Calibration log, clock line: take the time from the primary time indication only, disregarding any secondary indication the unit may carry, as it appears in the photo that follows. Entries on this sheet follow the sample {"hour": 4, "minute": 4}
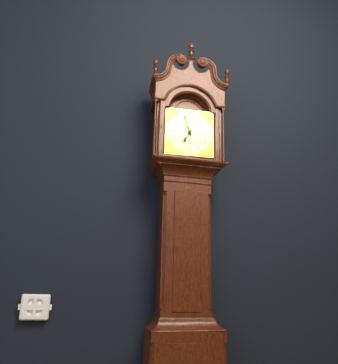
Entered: {"hour": 6, "minute": 57}
